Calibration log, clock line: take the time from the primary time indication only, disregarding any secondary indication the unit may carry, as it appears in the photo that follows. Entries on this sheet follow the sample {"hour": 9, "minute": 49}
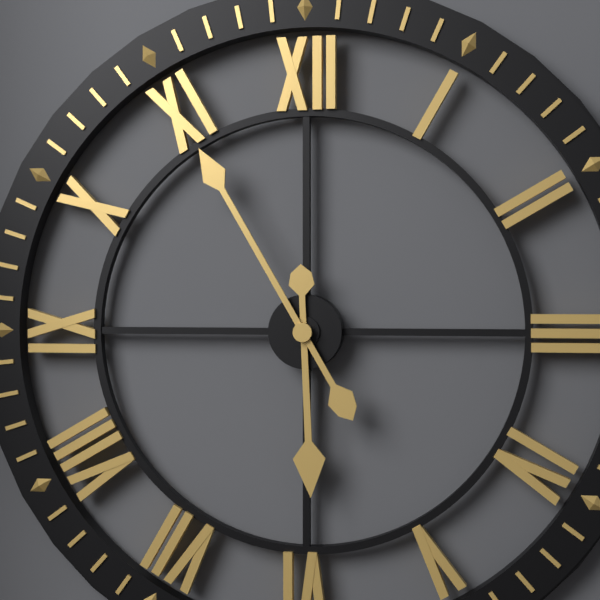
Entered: {"hour": 5, "minute": 55}
